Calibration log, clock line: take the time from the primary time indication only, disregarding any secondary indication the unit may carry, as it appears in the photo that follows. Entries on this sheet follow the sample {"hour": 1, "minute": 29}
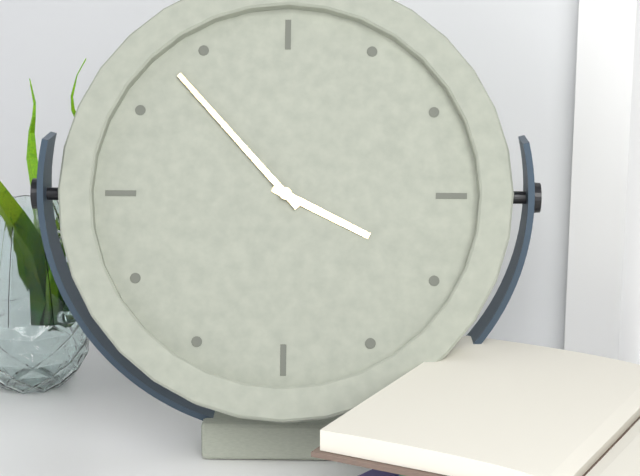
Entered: {"hour": 3, "minute": 53}
